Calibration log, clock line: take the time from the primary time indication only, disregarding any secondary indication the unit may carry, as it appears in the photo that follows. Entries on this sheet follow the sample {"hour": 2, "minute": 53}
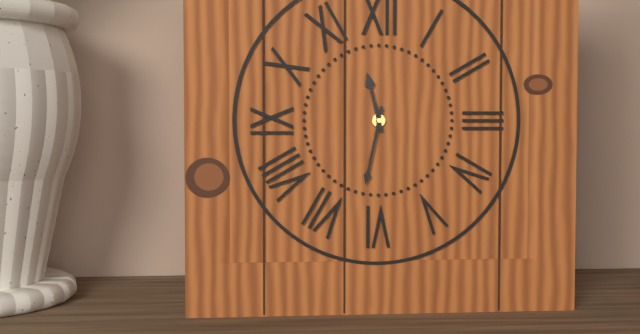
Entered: {"hour": 11, "minute": 32}
